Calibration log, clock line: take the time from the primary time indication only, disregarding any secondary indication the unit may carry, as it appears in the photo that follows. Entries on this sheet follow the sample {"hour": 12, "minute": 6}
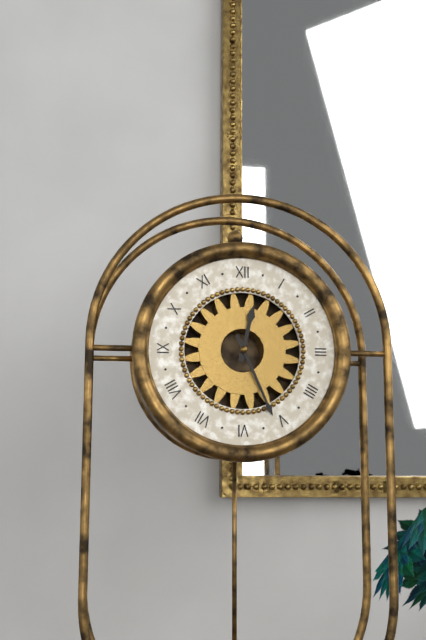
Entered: {"hour": 12, "minute": 26}
